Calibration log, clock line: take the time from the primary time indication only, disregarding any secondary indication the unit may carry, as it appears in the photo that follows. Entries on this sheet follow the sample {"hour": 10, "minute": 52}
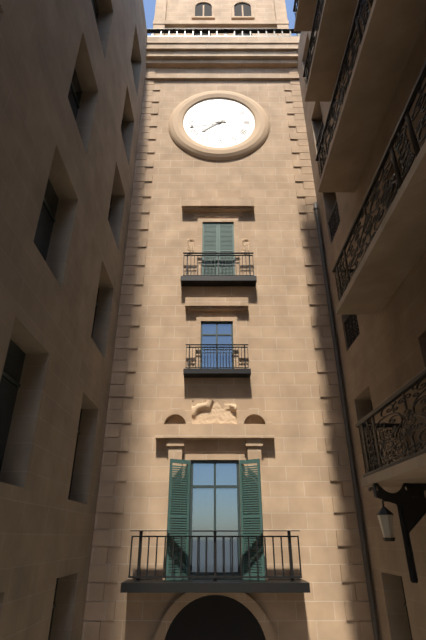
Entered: {"hour": 7, "minute": 43}
